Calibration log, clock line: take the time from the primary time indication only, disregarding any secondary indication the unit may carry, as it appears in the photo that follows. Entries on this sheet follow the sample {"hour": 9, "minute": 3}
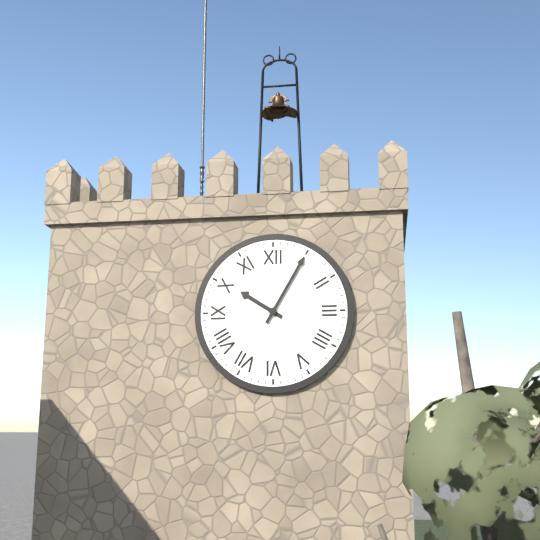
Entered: {"hour": 10, "minute": 5}
